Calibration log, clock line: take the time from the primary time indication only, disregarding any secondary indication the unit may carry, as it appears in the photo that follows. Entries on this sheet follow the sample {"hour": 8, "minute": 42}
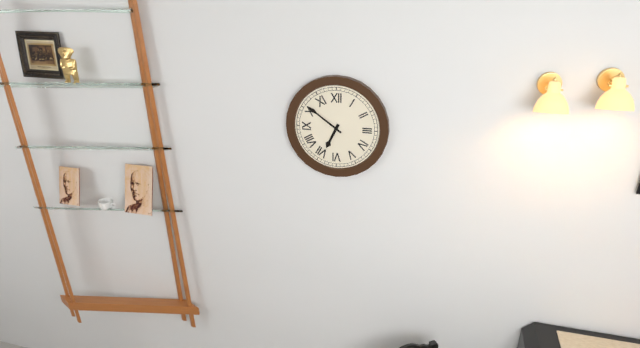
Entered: {"hour": 6, "minute": 51}
